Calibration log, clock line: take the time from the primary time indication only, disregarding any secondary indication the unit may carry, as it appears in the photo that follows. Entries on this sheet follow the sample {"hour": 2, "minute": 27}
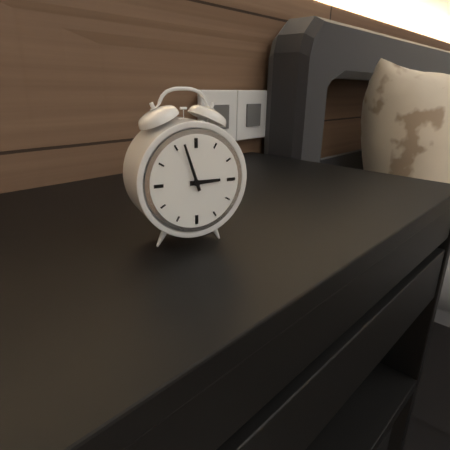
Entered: {"hour": 2, "minute": 57}
